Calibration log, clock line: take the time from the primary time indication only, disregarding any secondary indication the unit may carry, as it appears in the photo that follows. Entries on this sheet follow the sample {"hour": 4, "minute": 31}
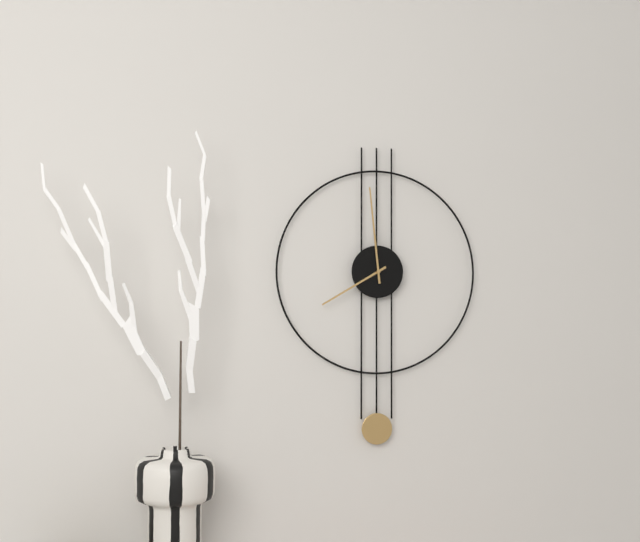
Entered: {"hour": 7, "minute": 59}
